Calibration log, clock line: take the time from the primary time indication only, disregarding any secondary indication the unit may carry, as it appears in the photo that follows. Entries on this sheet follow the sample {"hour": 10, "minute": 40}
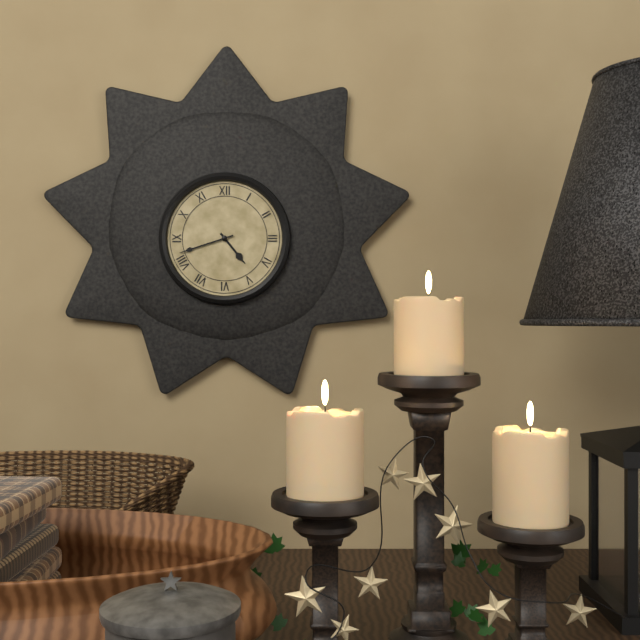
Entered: {"hour": 4, "minute": 42}
